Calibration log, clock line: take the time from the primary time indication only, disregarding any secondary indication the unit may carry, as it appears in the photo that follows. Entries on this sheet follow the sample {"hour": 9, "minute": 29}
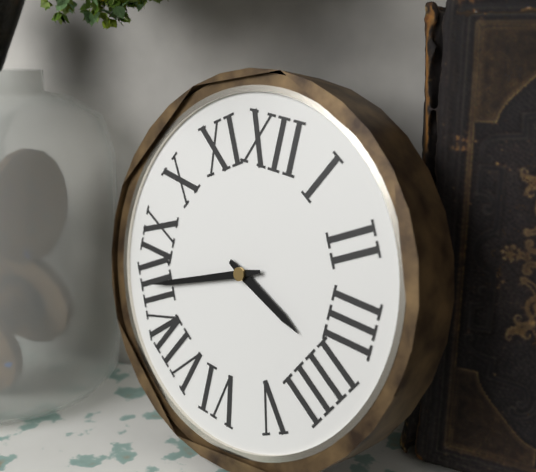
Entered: {"hour": 3, "minute": 41}
